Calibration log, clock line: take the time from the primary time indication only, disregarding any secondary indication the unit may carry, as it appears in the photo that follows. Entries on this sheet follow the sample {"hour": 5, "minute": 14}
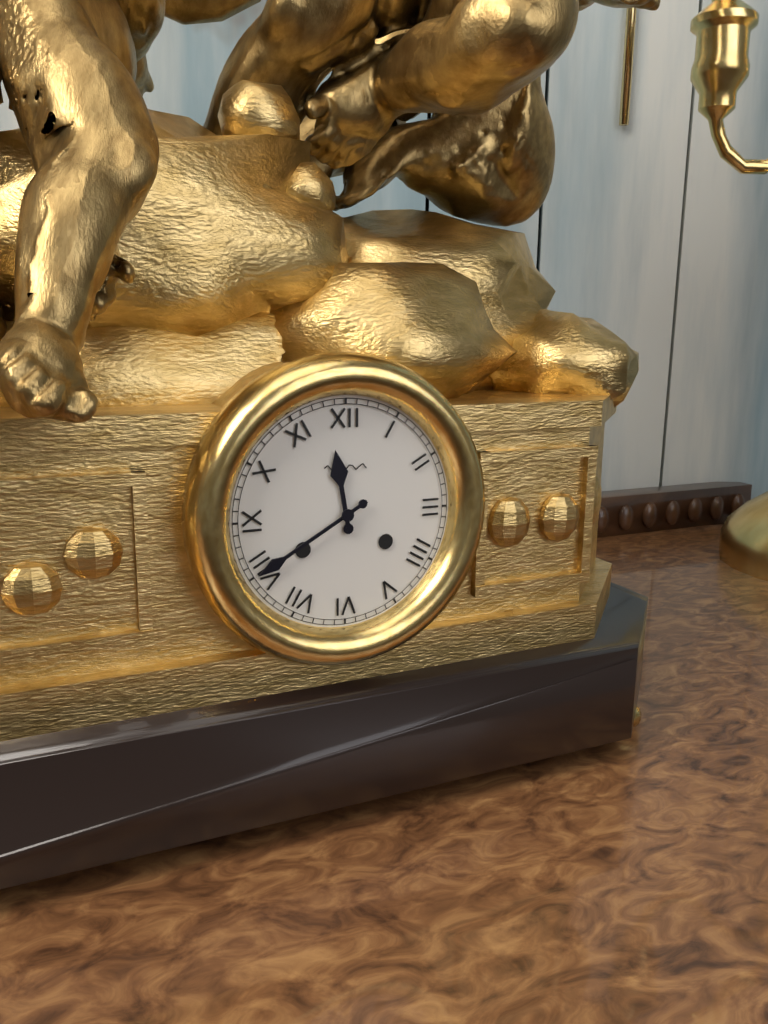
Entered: {"hour": 11, "minute": 40}
